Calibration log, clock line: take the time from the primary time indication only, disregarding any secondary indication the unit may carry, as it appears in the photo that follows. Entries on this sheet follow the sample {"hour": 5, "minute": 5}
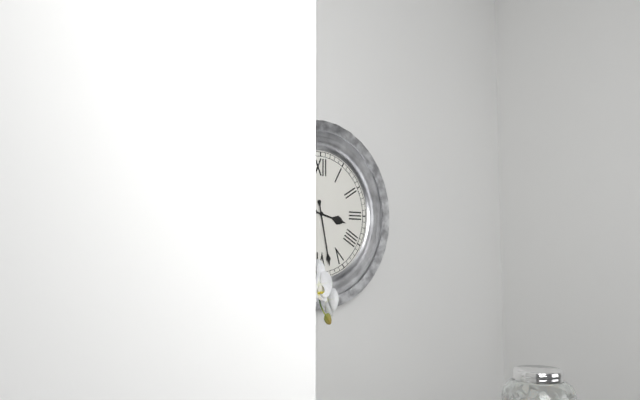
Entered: {"hour": 3, "minute": 28}
